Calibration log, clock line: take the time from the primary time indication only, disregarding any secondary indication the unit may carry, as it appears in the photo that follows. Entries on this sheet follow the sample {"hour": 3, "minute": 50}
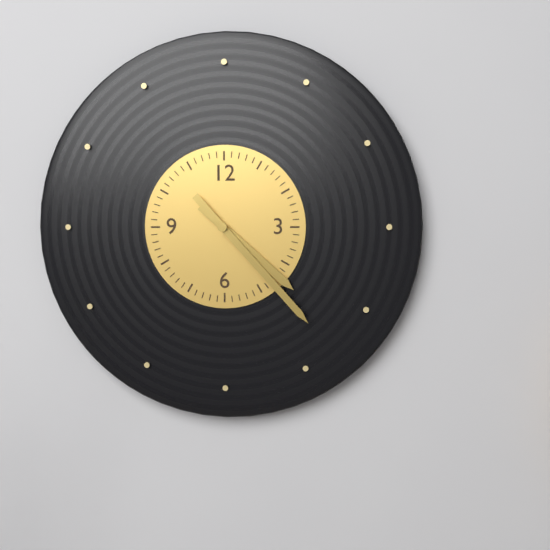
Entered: {"hour": 4, "minute": 23}
